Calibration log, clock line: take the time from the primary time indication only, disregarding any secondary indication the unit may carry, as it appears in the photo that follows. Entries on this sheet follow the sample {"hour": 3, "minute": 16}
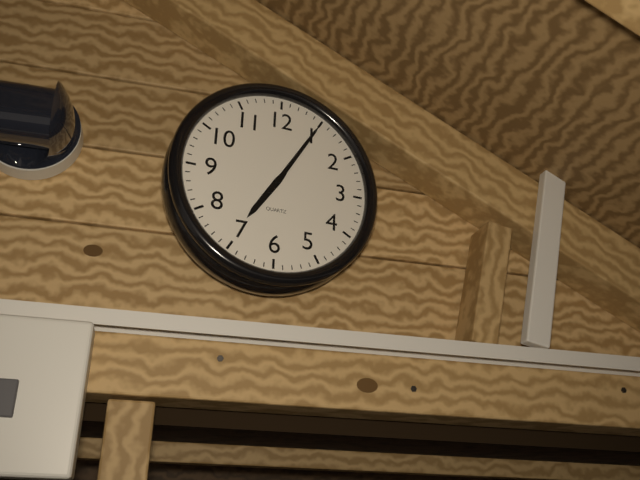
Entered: {"hour": 7, "minute": 5}
